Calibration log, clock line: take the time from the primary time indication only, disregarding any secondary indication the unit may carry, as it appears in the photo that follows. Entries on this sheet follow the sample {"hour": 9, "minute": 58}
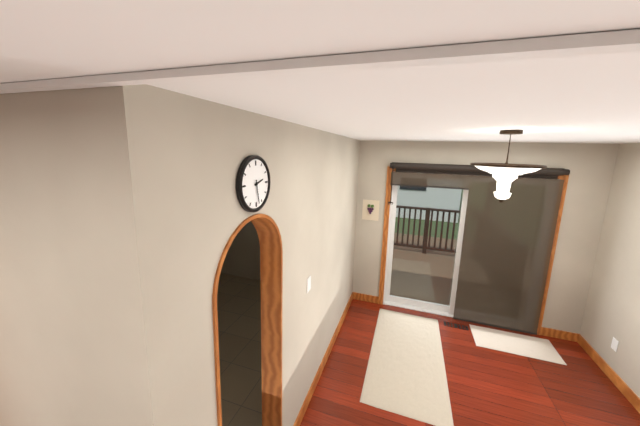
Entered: {"hour": 2, "minute": 28}
